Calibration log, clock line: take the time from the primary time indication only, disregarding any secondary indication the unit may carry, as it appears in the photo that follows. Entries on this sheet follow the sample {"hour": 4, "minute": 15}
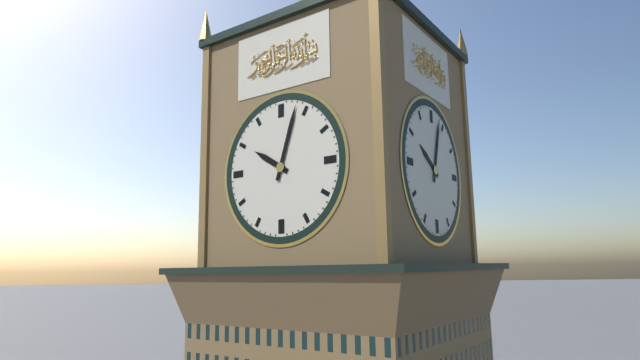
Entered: {"hour": 10, "minute": 3}
